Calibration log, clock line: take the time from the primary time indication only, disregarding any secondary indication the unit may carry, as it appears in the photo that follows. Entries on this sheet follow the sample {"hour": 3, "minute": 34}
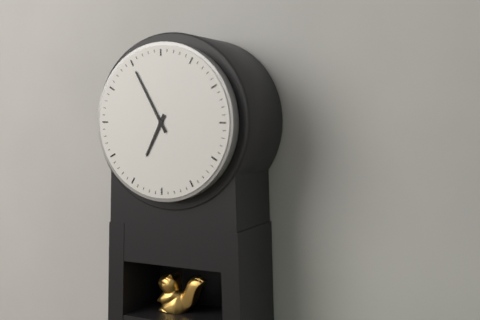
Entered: {"hour": 6, "minute": 55}
